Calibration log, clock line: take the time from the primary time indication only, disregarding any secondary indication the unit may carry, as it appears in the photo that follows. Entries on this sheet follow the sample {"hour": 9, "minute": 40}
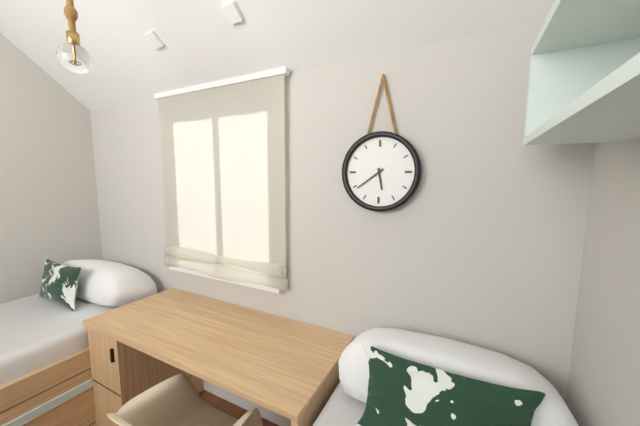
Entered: {"hour": 5, "minute": 39}
